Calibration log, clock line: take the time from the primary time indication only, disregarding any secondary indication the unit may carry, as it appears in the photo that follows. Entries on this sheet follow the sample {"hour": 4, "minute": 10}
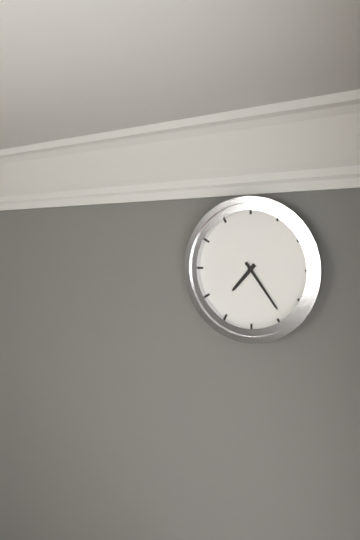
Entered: {"hour": 7, "minute": 24}
